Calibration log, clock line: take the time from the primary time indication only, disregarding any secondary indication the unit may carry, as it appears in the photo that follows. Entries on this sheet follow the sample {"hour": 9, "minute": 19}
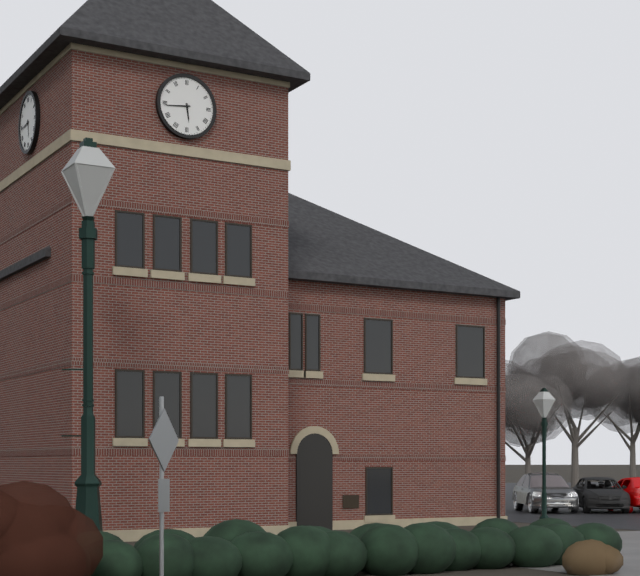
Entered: {"hour": 5, "minute": 44}
